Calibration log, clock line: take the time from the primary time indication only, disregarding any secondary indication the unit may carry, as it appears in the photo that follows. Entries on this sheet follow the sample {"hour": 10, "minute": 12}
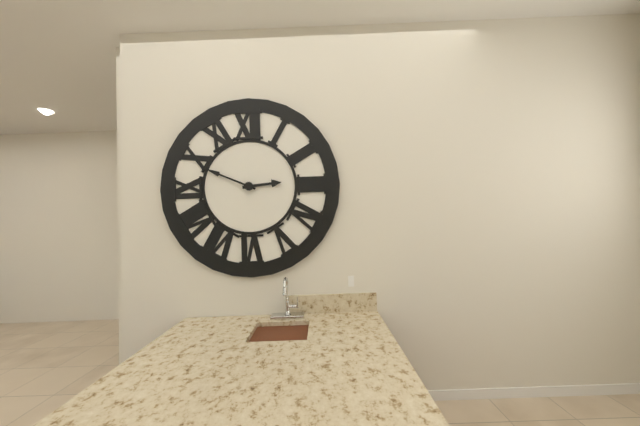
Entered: {"hour": 2, "minute": 49}
